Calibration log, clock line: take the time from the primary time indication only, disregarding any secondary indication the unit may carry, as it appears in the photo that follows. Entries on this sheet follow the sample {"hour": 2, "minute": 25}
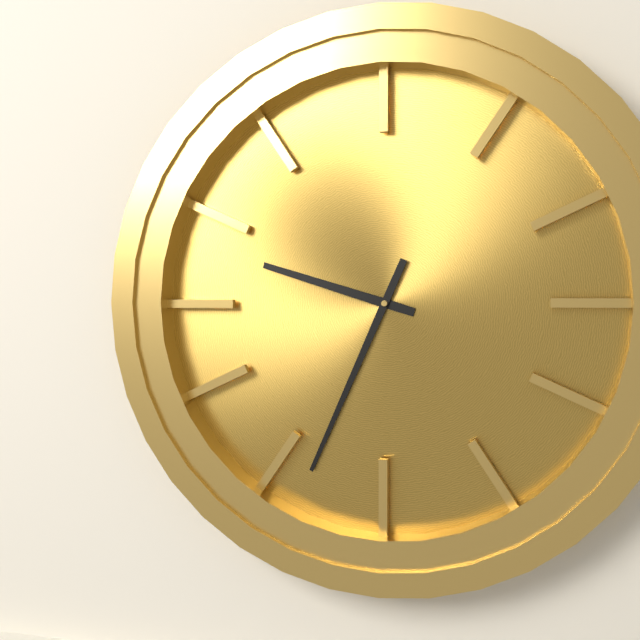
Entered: {"hour": 9, "minute": 34}
